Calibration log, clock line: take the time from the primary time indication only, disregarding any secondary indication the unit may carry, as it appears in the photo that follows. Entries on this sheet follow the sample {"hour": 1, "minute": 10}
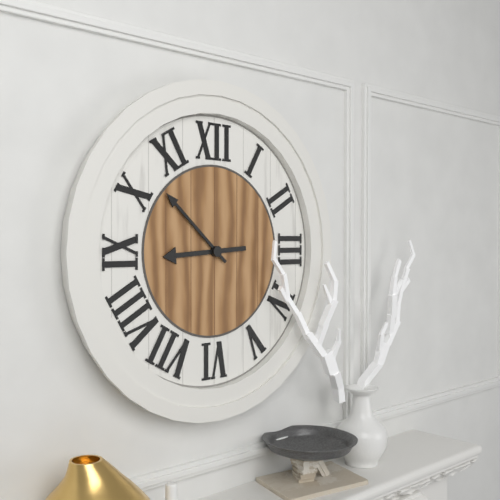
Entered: {"hour": 8, "minute": 52}
